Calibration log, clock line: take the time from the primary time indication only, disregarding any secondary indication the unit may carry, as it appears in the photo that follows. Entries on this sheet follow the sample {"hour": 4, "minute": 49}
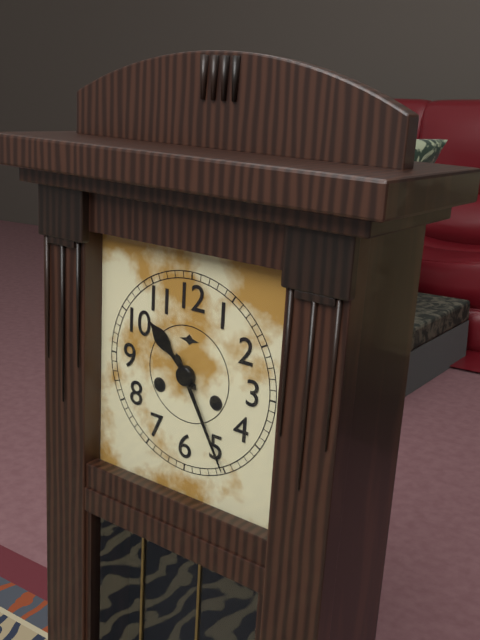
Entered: {"hour": 10, "minute": 25}
